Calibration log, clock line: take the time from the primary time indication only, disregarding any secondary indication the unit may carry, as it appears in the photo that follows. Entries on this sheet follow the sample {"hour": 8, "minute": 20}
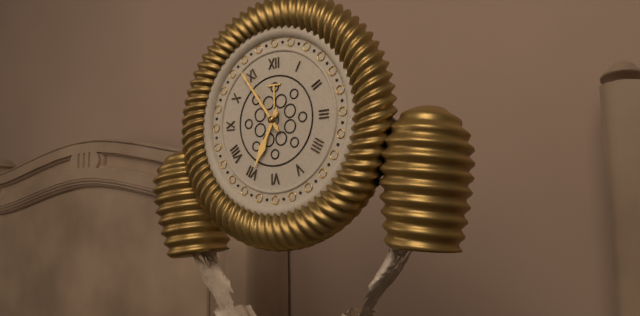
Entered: {"hour": 6, "minute": 54}
